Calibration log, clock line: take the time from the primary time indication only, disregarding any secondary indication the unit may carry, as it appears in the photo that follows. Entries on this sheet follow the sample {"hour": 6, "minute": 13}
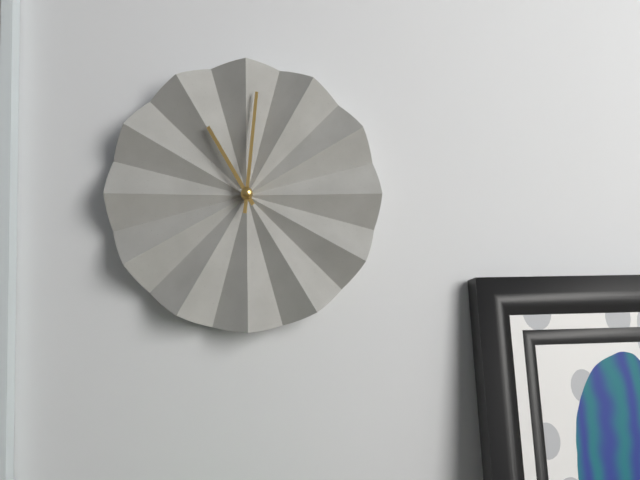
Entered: {"hour": 11, "minute": 1}
